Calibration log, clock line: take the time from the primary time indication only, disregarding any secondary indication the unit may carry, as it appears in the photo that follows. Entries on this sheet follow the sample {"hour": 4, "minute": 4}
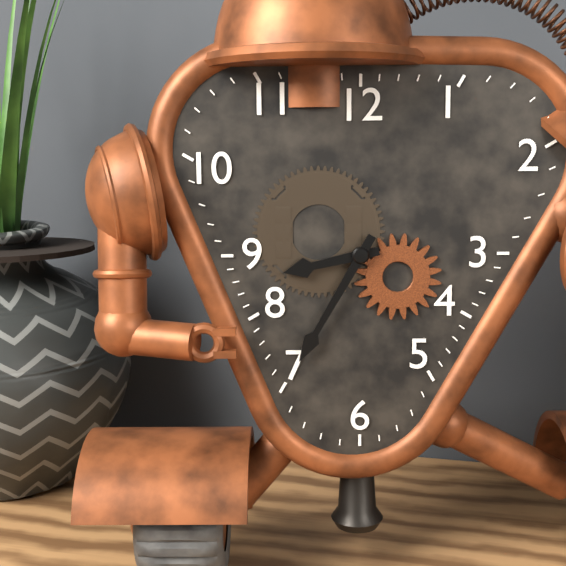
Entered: {"hour": 8, "minute": 35}
